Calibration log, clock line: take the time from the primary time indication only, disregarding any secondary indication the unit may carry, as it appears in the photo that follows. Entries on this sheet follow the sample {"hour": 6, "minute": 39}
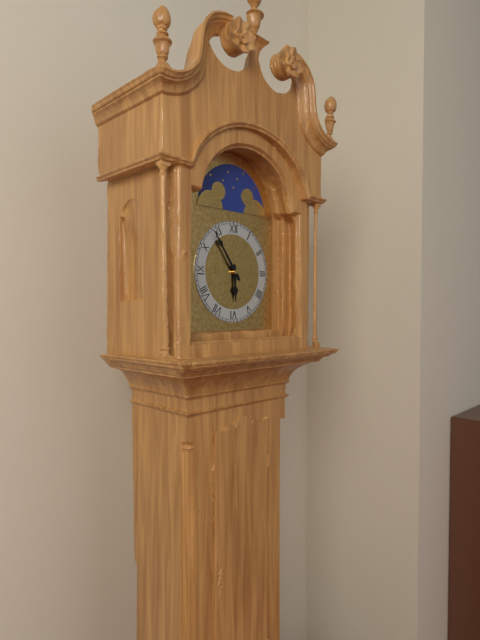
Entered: {"hour": 5, "minute": 54}
